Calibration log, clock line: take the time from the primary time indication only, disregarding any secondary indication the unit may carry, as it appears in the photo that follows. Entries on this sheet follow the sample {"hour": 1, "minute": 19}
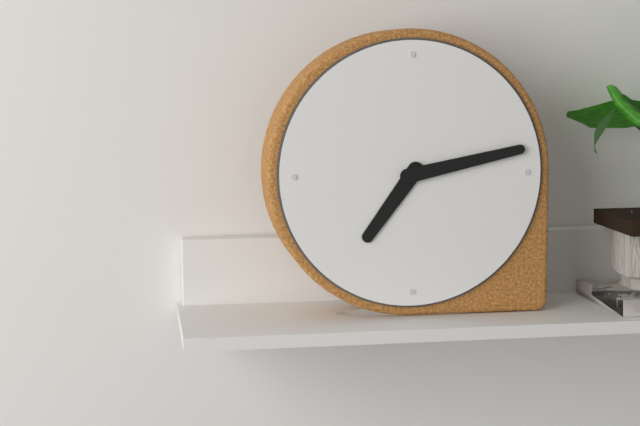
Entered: {"hour": 7, "minute": 13}
